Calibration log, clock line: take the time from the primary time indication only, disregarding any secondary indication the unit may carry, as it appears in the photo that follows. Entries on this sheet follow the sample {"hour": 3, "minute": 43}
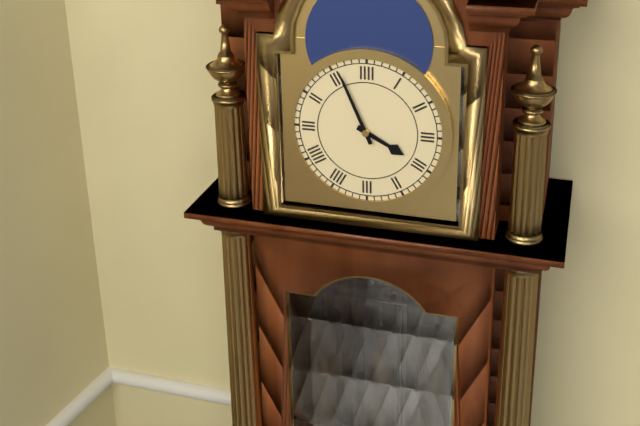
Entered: {"hour": 3, "minute": 56}
